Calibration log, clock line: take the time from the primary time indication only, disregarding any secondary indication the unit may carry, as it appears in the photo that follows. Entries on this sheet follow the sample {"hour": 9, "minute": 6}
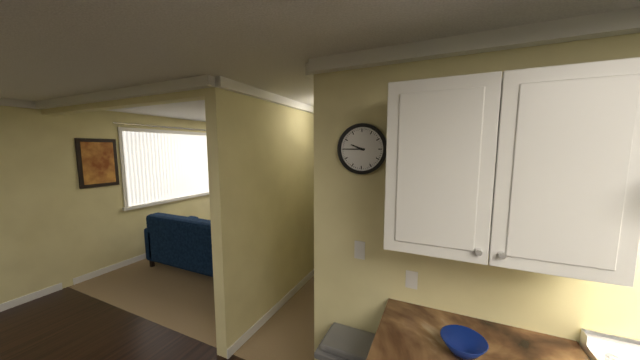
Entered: {"hour": 9, "minute": 45}
